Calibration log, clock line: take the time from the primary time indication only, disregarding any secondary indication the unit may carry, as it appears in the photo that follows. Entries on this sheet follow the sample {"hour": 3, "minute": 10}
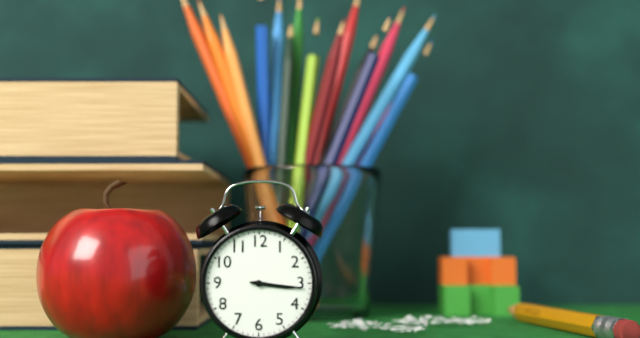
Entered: {"hour": 3, "minute": 16}
